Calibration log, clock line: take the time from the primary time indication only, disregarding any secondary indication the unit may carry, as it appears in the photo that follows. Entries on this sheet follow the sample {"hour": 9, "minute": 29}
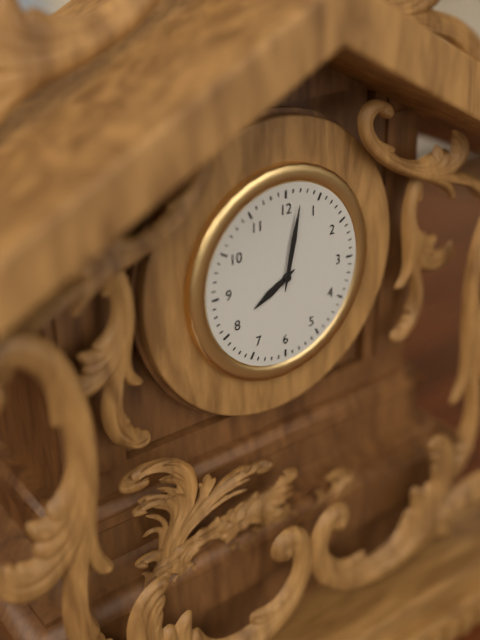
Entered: {"hour": 8, "minute": 2}
